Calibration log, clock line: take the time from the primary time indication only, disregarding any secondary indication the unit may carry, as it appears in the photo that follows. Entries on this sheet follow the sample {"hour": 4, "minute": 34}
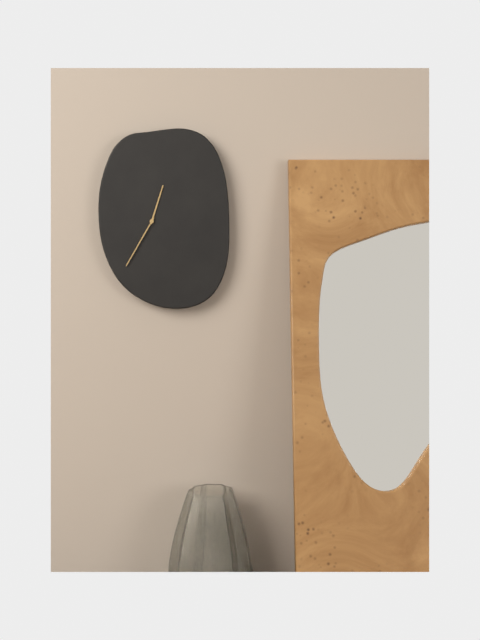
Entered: {"hour": 12, "minute": 35}
